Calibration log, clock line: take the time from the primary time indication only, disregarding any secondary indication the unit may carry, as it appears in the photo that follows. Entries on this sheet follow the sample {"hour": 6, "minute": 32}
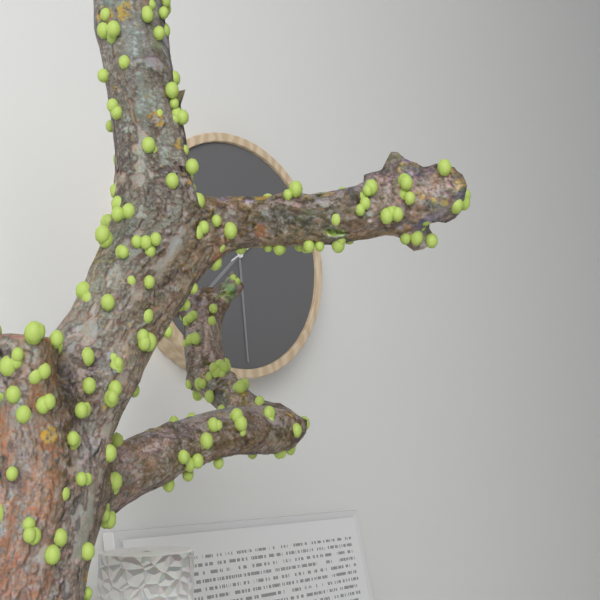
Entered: {"hour": 7, "minute": 29}
